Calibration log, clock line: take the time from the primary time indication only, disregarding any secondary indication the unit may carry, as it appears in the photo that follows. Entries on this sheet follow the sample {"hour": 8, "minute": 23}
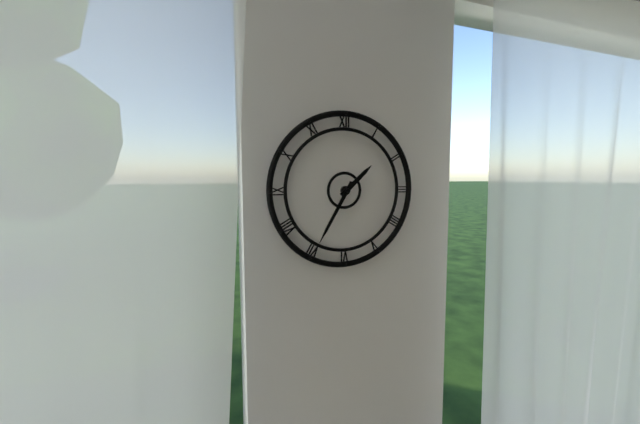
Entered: {"hour": 1, "minute": 35}
